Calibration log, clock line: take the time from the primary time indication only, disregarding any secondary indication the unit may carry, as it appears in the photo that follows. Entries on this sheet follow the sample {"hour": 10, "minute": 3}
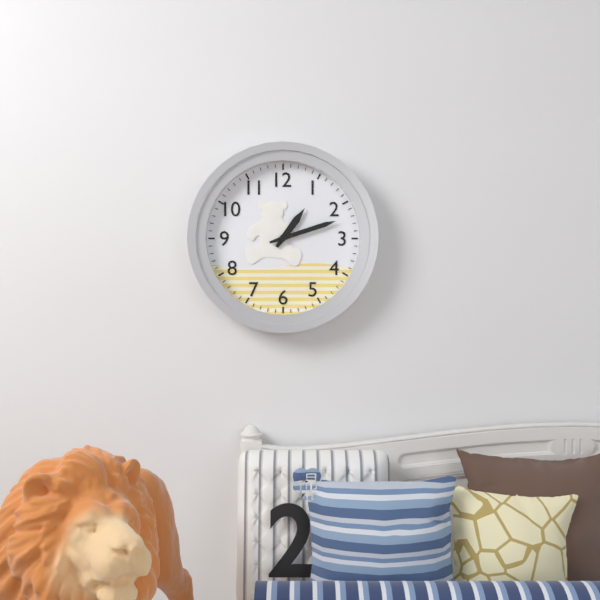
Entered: {"hour": 1, "minute": 12}
